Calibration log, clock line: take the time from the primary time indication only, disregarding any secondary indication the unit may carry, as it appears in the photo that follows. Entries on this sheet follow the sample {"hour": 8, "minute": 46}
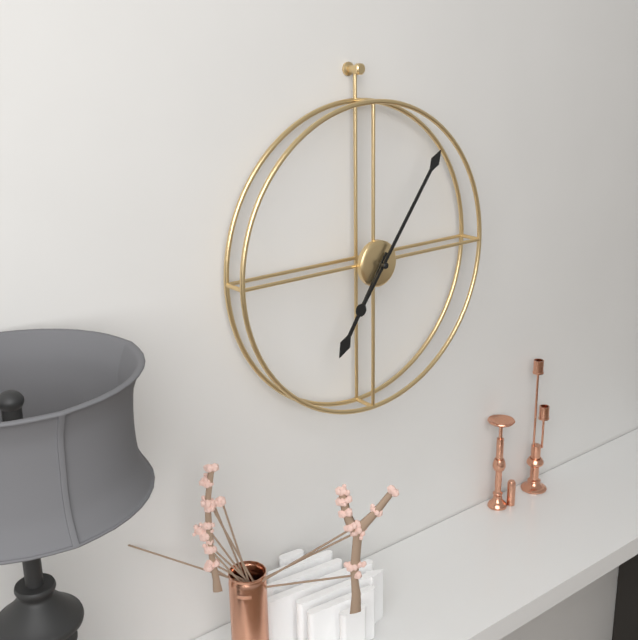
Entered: {"hour": 7, "minute": 6}
